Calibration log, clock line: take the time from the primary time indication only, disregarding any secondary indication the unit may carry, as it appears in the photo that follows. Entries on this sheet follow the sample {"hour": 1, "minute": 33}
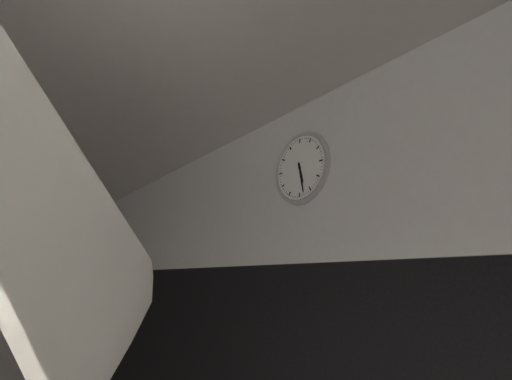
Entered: {"hour": 5, "minute": 28}
